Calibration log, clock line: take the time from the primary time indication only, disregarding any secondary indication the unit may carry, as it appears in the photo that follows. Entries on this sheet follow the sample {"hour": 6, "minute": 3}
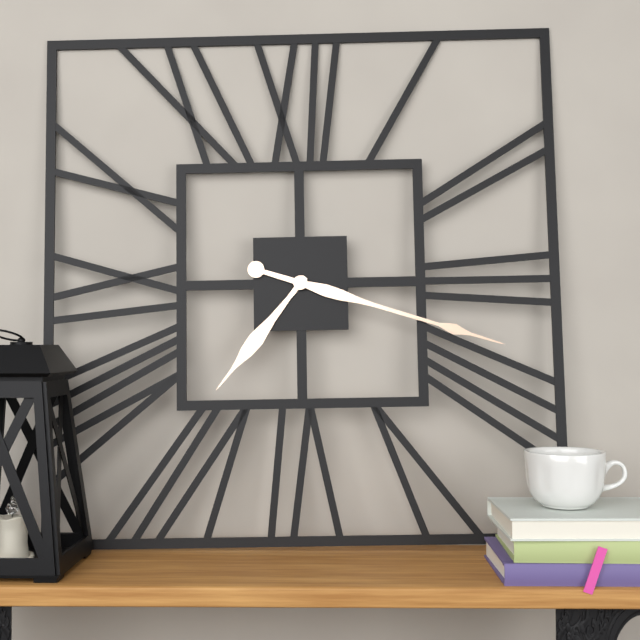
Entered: {"hour": 7, "minute": 18}
